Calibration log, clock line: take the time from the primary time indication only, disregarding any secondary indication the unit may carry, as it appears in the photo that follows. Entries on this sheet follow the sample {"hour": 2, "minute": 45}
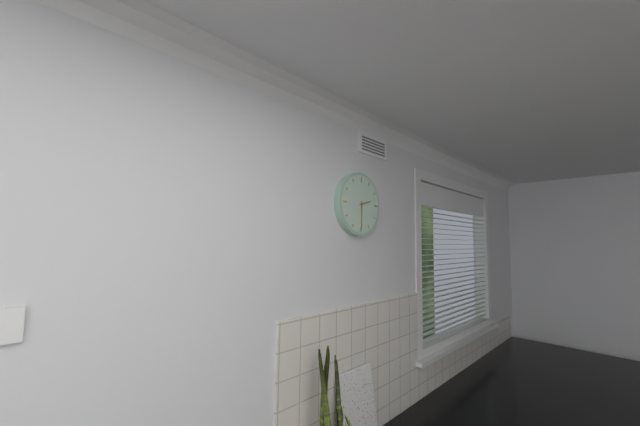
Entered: {"hour": 2, "minute": 30}
